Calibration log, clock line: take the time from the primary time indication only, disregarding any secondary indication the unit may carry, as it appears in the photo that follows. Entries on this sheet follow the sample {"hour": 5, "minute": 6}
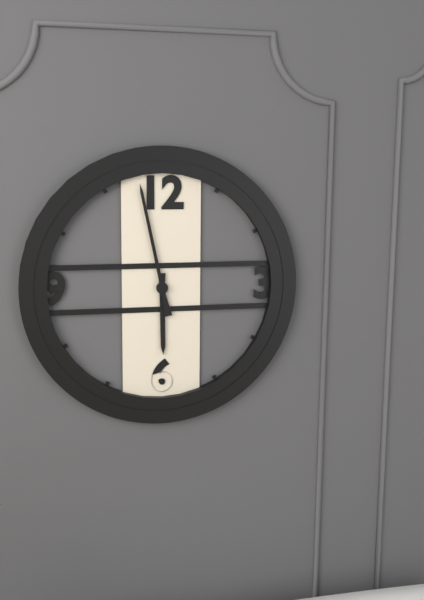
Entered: {"hour": 5, "minute": 58}
